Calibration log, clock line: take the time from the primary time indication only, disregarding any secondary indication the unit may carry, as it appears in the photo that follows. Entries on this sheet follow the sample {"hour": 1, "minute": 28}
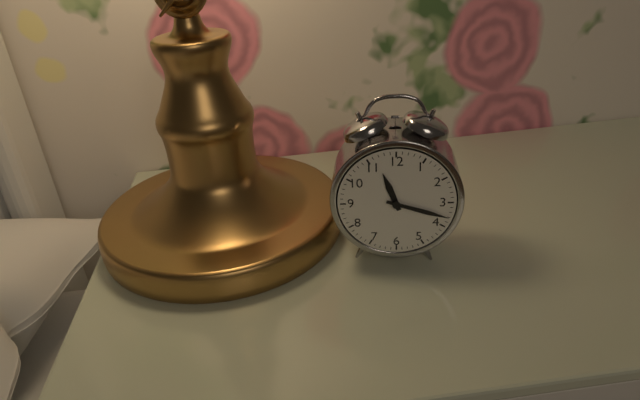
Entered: {"hour": 11, "minute": 18}
